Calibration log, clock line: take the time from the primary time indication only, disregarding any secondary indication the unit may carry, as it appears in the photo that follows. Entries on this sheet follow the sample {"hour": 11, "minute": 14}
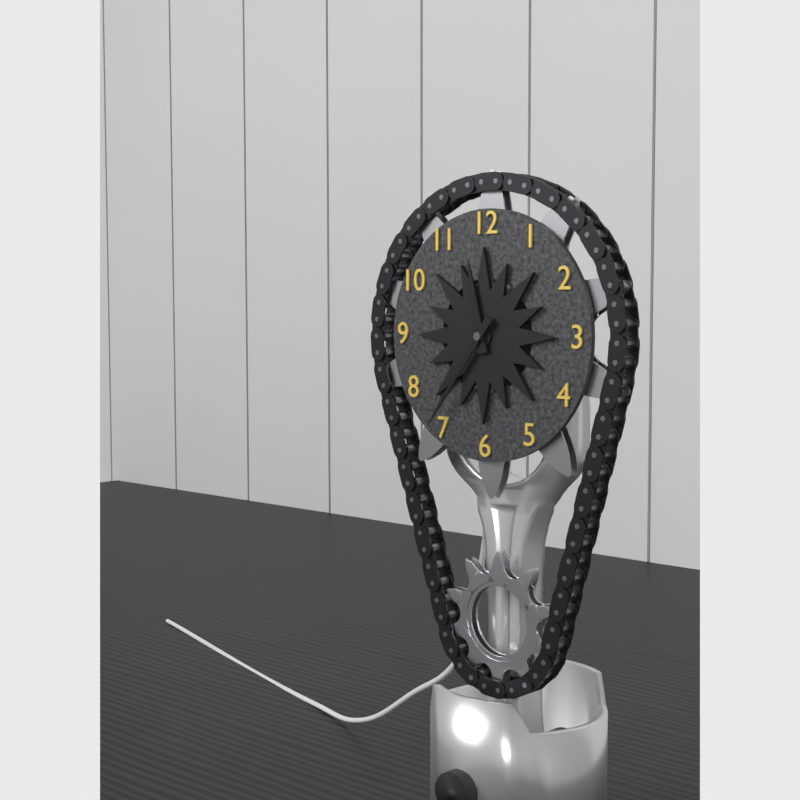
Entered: {"hour": 11, "minute": 36}
